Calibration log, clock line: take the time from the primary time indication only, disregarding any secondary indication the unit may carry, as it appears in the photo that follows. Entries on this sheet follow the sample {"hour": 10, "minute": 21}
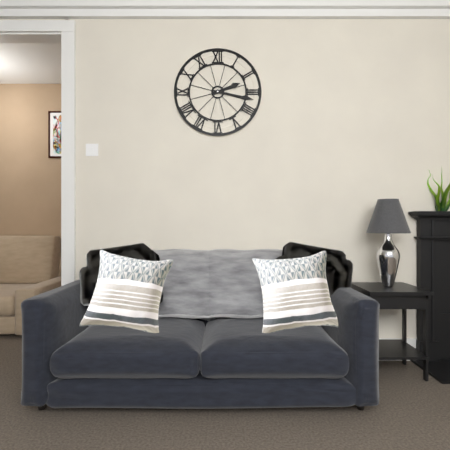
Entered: {"hour": 2, "minute": 17}
